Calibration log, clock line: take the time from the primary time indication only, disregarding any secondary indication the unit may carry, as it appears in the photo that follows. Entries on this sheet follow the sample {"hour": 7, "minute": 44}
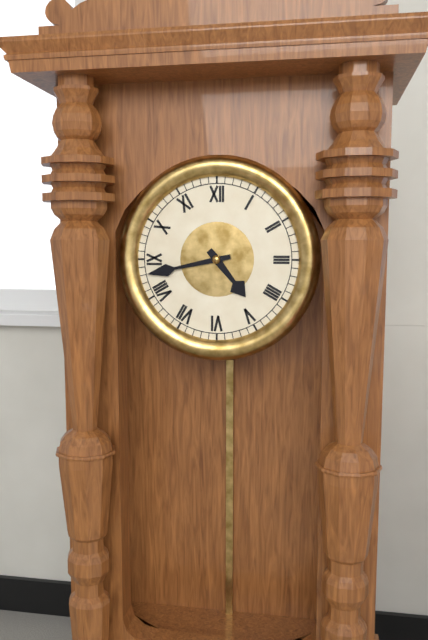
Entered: {"hour": 4, "minute": 43}
